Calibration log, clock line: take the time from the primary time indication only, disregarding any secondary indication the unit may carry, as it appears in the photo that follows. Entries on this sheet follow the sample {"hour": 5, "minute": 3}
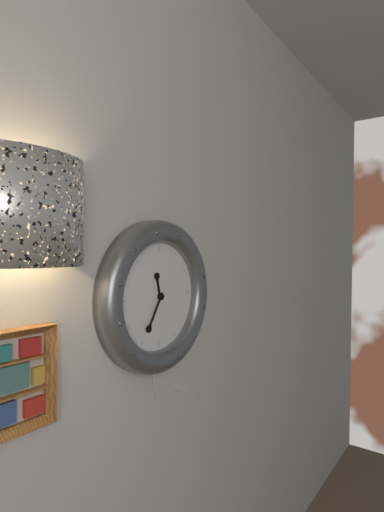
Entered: {"hour": 11, "minute": 35}
